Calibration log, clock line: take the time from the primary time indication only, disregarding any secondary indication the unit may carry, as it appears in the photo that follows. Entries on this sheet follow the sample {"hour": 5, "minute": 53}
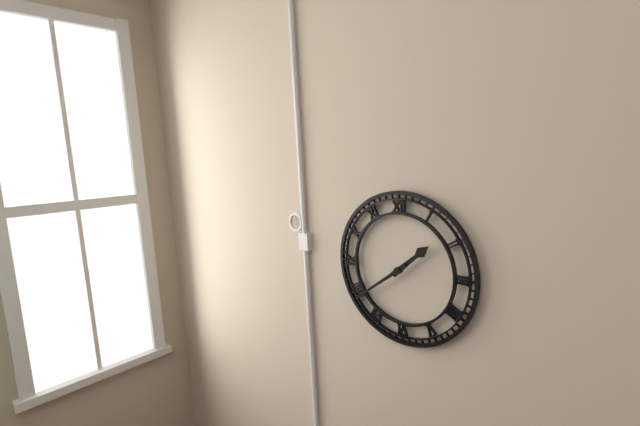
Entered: {"hour": 1, "minute": 39}
